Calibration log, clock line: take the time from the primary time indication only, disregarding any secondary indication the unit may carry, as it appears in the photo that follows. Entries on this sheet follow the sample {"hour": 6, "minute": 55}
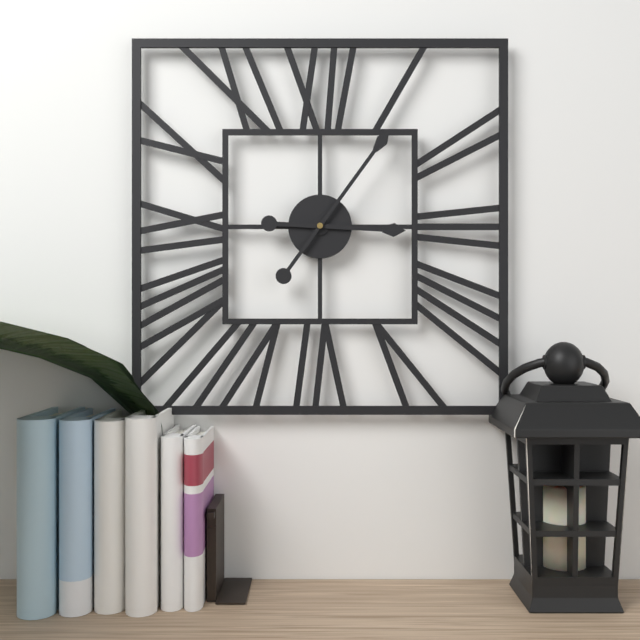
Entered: {"hour": 3, "minute": 6}
